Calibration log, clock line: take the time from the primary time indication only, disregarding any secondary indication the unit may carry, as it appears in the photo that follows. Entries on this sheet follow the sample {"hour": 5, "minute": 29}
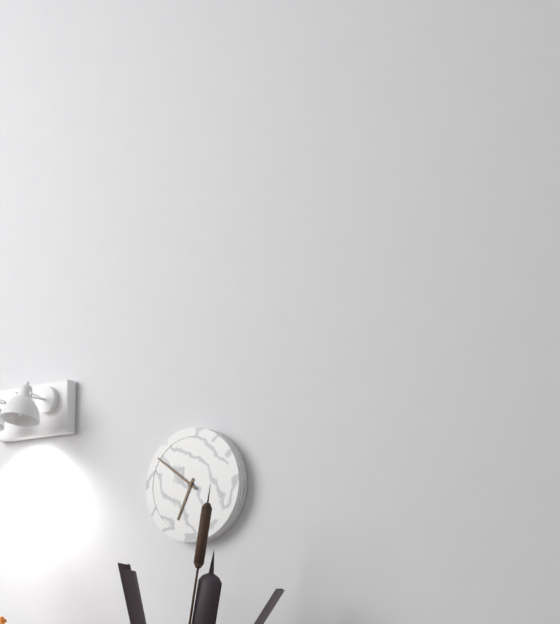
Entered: {"hour": 6, "minute": 51}
